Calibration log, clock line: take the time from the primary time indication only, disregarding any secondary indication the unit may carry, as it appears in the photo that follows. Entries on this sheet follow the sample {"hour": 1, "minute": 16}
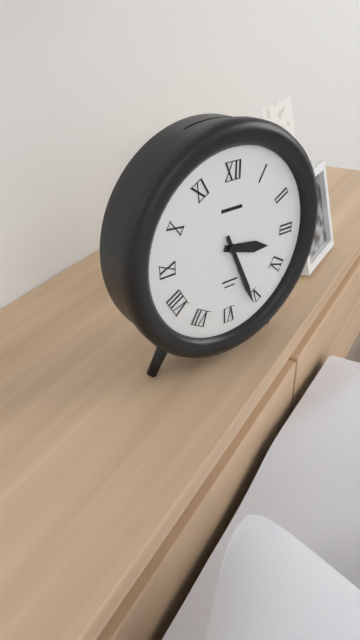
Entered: {"hour": 3, "minute": 26}
